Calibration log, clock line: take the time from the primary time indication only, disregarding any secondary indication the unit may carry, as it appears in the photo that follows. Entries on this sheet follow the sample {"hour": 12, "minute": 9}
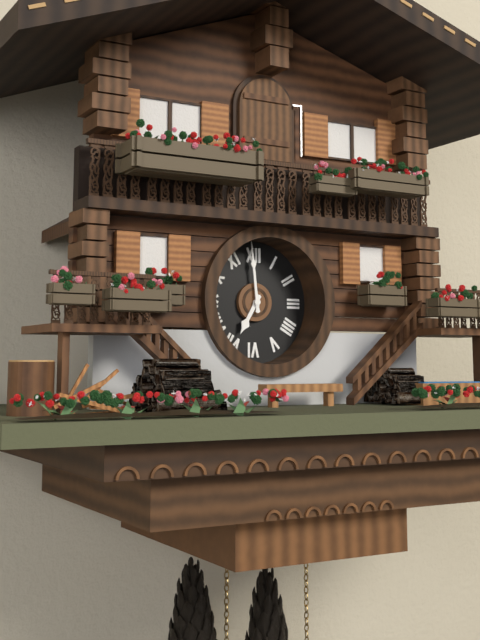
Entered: {"hour": 6, "minute": 59}
